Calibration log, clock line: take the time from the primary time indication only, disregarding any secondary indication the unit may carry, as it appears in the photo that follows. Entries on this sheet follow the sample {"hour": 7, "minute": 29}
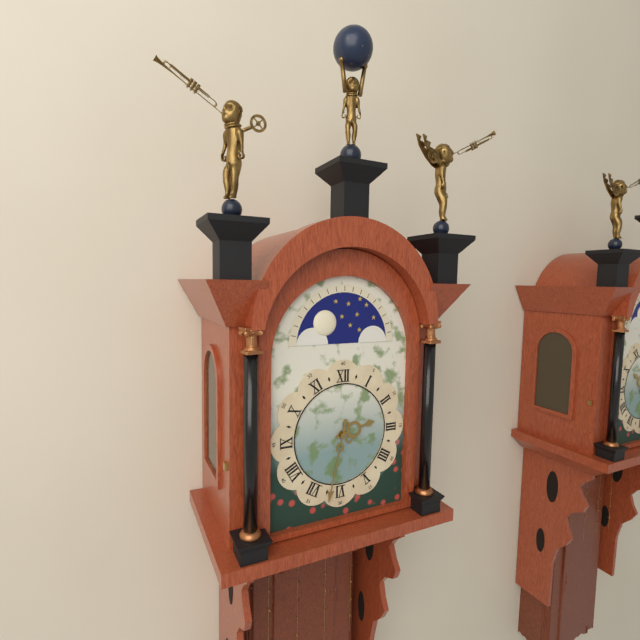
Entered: {"hour": 2, "minute": 32}
